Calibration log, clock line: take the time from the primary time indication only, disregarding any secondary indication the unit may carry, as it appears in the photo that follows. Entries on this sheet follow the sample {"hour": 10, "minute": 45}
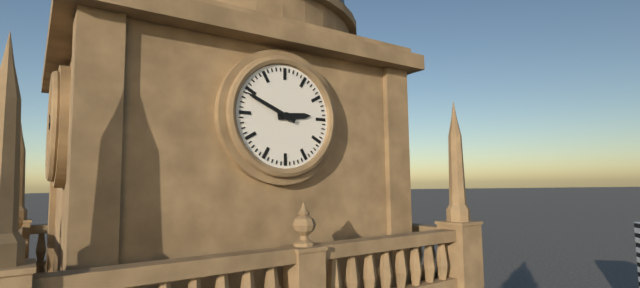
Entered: {"hour": 2, "minute": 49}
